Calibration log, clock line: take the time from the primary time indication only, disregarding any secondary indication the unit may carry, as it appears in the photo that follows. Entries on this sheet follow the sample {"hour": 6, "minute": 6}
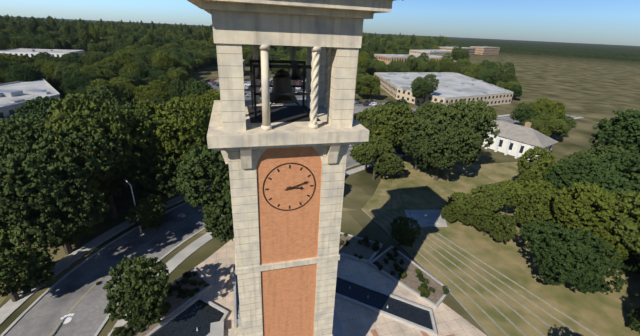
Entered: {"hour": 3, "minute": 12}
